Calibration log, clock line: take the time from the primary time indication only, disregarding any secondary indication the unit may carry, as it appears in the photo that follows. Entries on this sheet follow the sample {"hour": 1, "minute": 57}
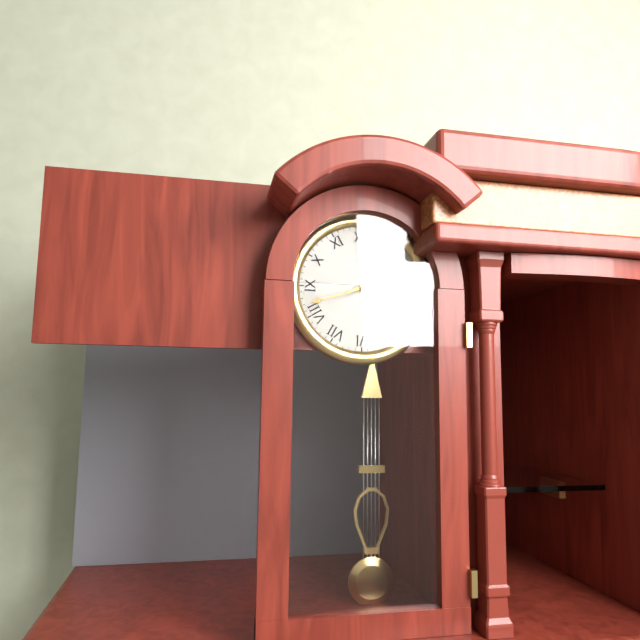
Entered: {"hour": 2, "minute": 42}
